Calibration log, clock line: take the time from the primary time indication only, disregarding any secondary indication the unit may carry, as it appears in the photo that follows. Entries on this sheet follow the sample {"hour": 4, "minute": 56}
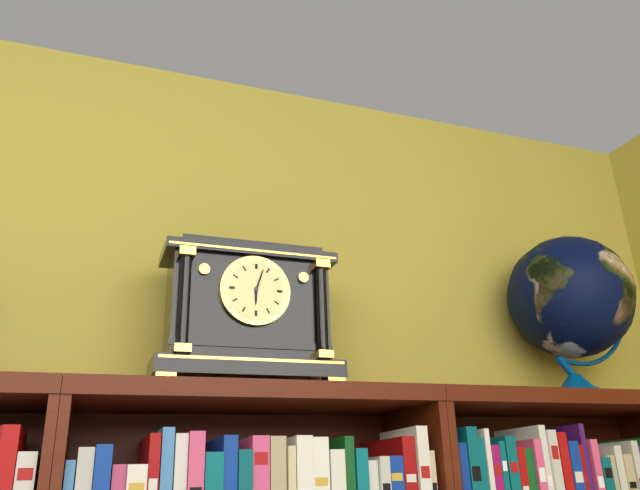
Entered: {"hour": 6, "minute": 3}
